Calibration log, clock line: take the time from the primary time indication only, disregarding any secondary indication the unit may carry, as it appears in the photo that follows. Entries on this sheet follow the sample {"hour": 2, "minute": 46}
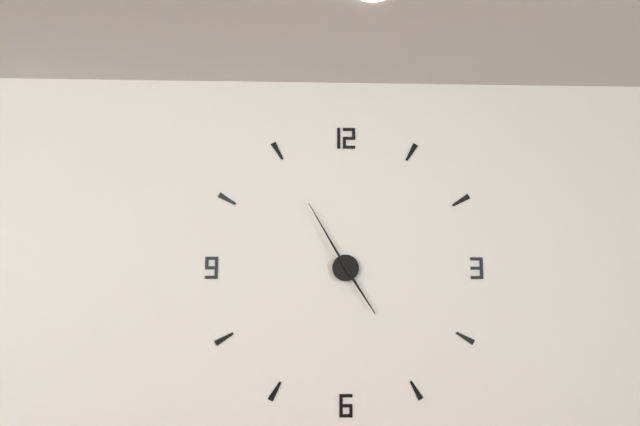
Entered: {"hour": 4, "minute": 55}
